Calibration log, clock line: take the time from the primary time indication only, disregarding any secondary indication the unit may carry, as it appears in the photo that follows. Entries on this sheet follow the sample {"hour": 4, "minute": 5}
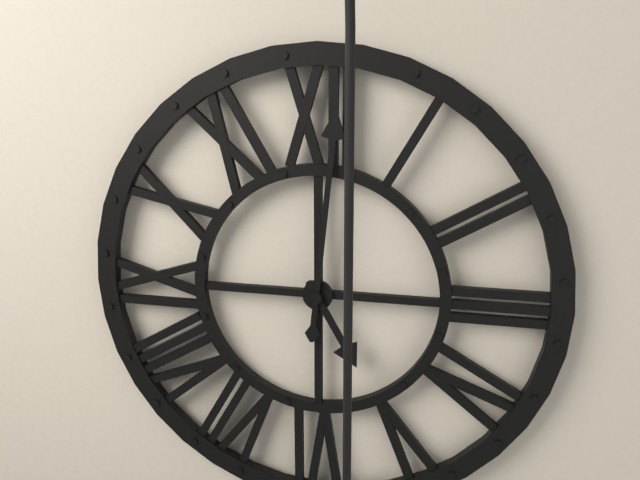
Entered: {"hour": 5, "minute": 1}
